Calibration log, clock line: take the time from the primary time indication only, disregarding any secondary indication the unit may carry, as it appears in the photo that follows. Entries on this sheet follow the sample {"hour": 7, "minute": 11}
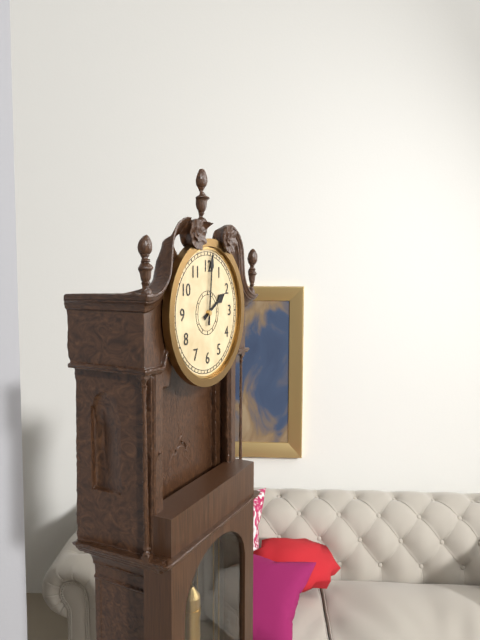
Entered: {"hour": 2, "minute": 1}
